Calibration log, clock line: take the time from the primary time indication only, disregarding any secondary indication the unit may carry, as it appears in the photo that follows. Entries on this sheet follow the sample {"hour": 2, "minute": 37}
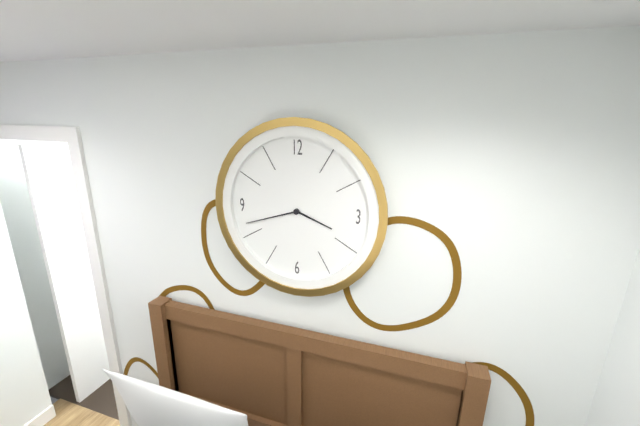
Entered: {"hour": 3, "minute": 42}
